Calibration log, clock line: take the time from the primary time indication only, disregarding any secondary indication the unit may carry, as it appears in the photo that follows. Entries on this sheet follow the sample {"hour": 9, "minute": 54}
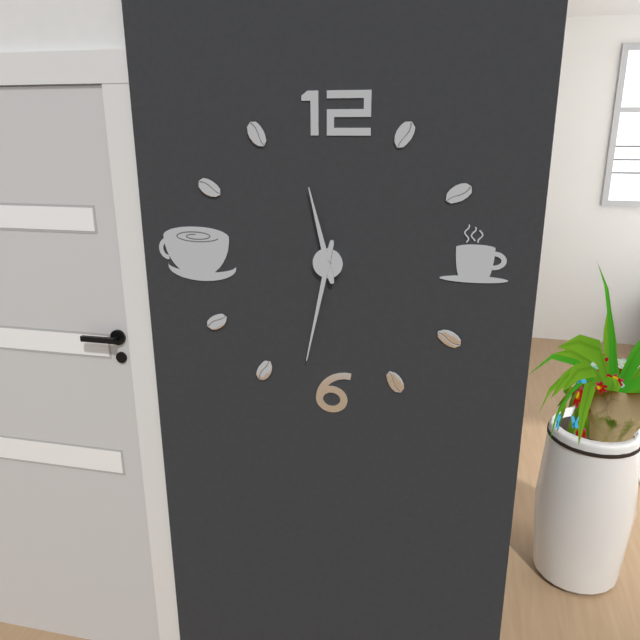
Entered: {"hour": 11, "minute": 32}
